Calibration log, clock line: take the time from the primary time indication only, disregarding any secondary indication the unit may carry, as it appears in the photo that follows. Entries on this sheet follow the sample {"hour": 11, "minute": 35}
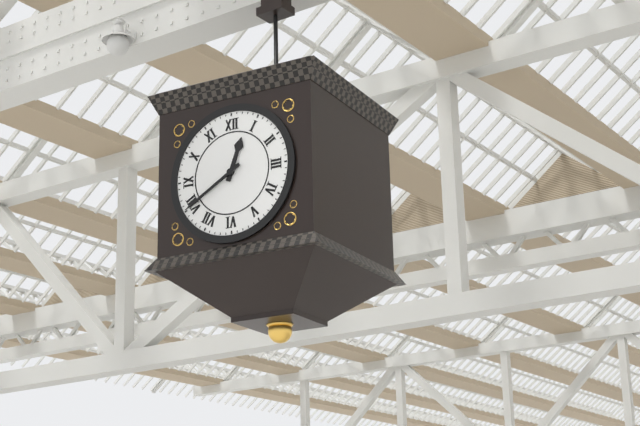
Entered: {"hour": 12, "minute": 40}
